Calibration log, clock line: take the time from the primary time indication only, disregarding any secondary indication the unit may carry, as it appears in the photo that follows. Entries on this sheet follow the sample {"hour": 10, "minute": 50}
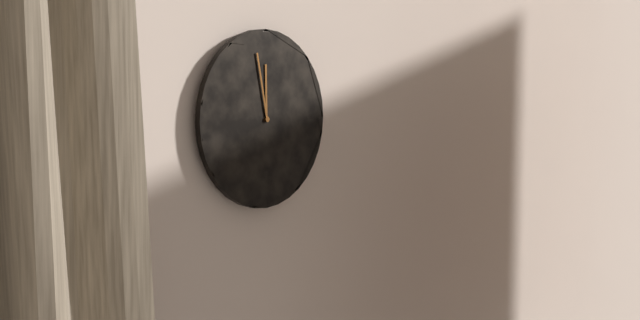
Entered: {"hour": 11, "minute": 58}
